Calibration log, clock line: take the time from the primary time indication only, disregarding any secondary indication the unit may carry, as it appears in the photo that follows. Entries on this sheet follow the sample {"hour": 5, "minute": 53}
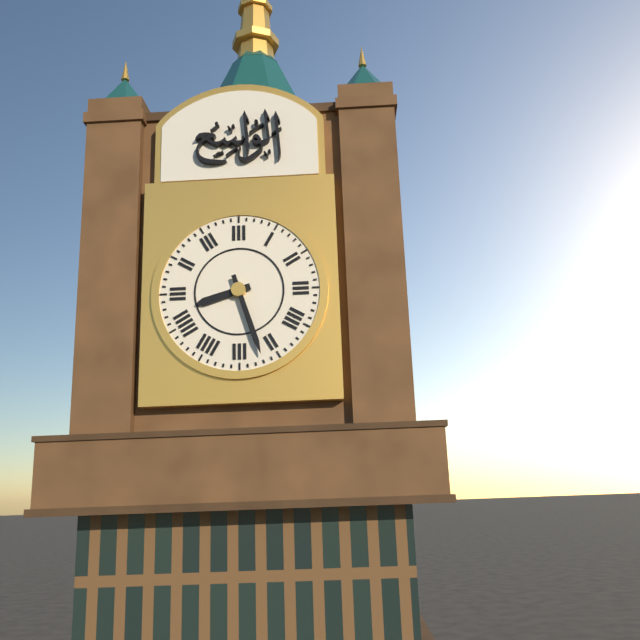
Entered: {"hour": 8, "minute": 27}
